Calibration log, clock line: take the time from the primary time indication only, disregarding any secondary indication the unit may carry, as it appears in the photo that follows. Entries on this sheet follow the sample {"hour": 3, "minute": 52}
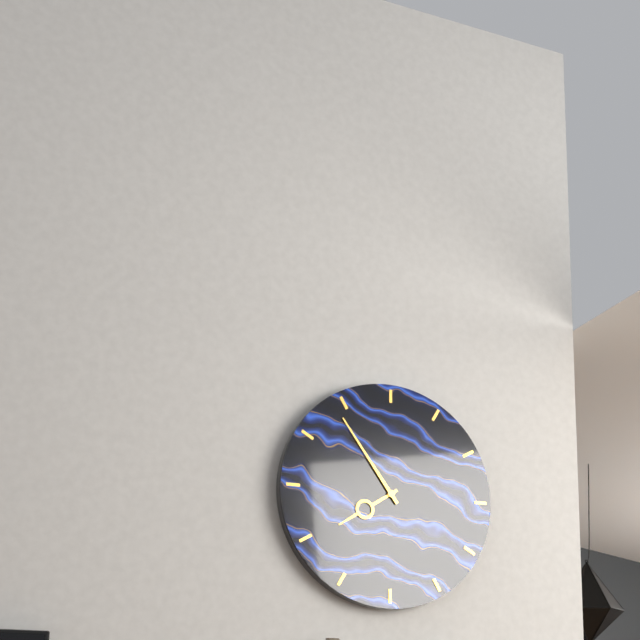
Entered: {"hour": 7, "minute": 54}
